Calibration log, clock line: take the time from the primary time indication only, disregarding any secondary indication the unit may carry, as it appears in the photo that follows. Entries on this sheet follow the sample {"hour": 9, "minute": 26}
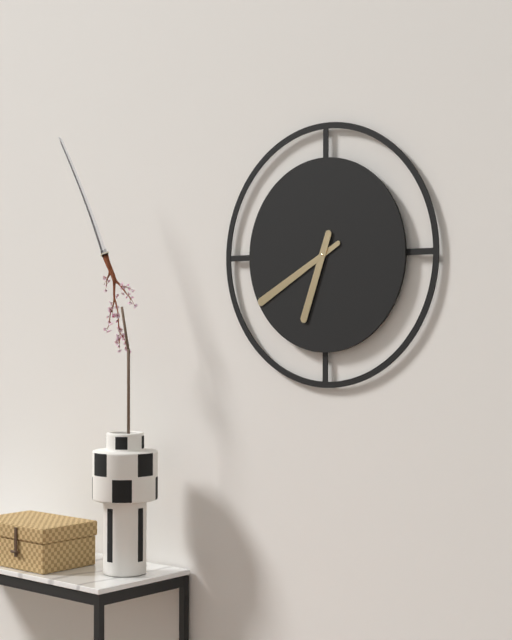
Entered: {"hour": 6, "minute": 40}
